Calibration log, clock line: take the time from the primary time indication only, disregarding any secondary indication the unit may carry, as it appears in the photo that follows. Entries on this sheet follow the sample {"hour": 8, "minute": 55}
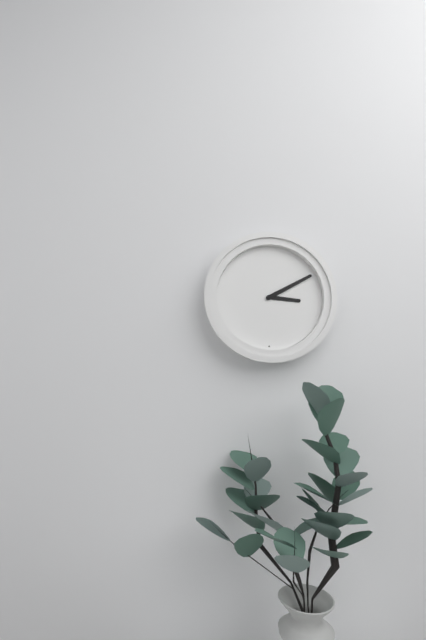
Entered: {"hour": 3, "minute": 10}
